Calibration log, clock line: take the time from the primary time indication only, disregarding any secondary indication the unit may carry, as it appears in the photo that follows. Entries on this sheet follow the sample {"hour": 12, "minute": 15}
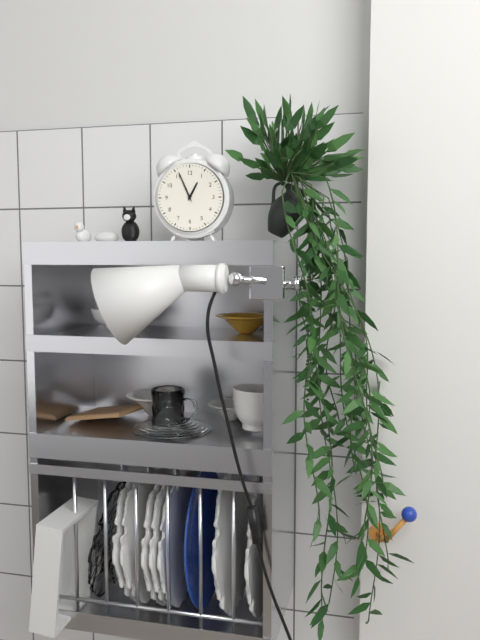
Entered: {"hour": 12, "minute": 56}
